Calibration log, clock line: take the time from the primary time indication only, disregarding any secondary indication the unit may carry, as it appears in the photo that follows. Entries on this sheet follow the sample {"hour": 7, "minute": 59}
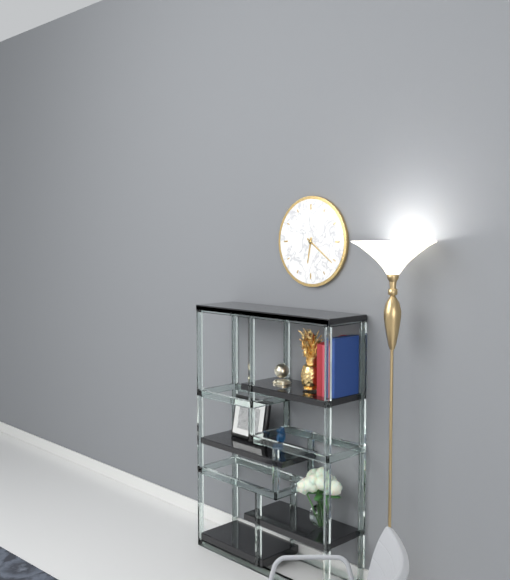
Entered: {"hour": 6, "minute": 21}
